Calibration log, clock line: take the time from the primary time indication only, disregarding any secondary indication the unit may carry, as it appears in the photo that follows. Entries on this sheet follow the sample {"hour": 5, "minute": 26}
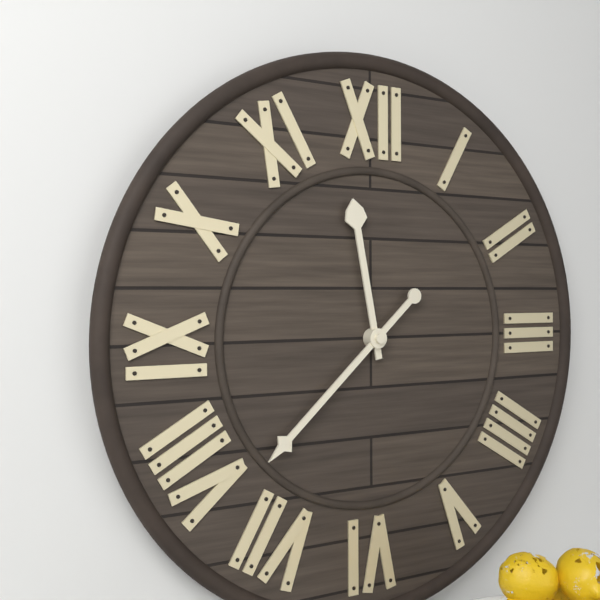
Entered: {"hour": 11, "minute": 38}
